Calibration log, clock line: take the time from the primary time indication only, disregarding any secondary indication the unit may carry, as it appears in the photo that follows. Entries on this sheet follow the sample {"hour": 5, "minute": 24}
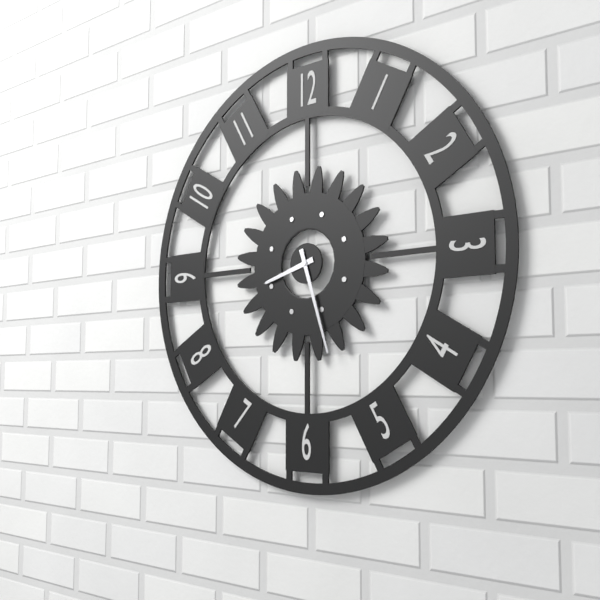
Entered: {"hour": 8, "minute": 27}
